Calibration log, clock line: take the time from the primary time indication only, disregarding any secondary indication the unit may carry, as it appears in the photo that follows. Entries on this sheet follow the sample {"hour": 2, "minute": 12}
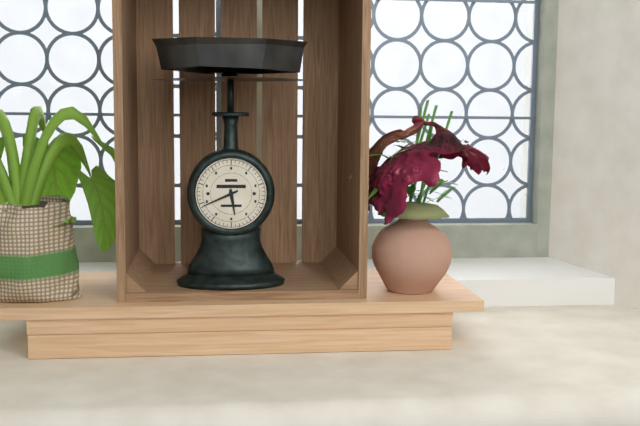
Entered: {"hour": 5, "minute": 41}
